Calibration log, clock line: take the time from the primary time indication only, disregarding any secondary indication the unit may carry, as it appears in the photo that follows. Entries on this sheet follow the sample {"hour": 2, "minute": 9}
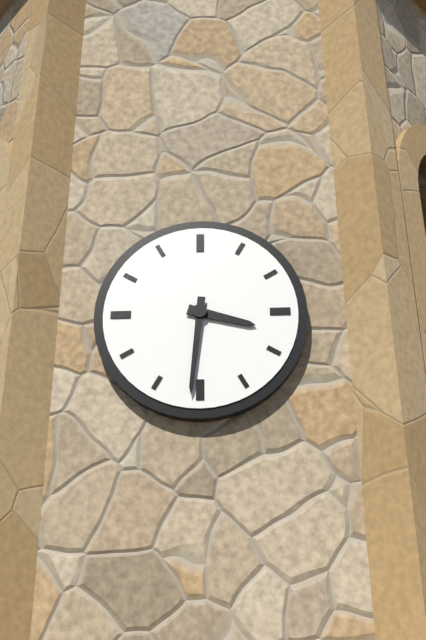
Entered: {"hour": 3, "minute": 31}
